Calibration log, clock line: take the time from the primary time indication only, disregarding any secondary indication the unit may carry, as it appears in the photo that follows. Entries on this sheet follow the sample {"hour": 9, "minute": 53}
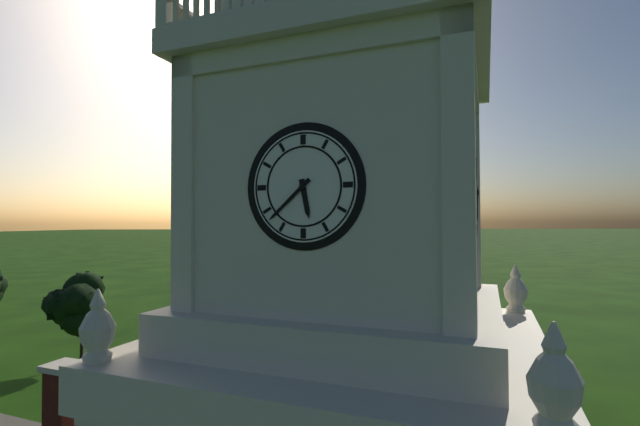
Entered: {"hour": 5, "minute": 38}
